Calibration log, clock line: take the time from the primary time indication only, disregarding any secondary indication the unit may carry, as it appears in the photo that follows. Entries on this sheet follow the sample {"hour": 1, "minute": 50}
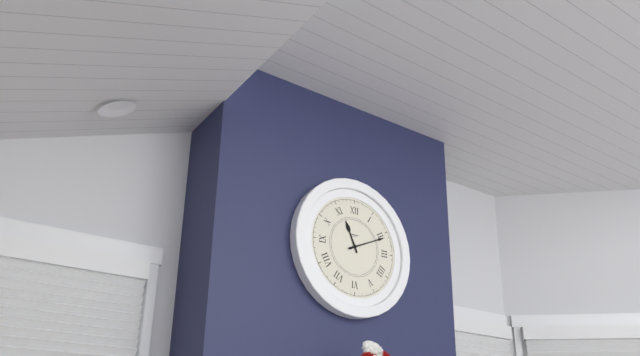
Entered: {"hour": 11, "minute": 11}
